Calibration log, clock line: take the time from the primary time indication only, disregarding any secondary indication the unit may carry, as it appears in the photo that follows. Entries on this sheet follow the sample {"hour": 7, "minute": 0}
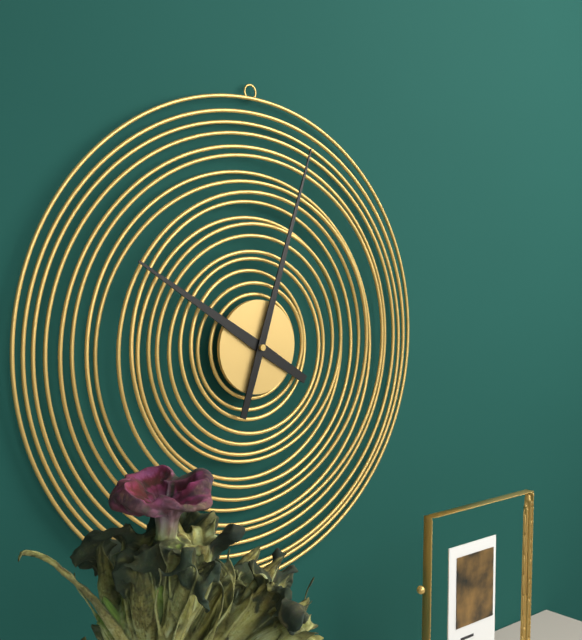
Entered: {"hour": 10, "minute": 3}
